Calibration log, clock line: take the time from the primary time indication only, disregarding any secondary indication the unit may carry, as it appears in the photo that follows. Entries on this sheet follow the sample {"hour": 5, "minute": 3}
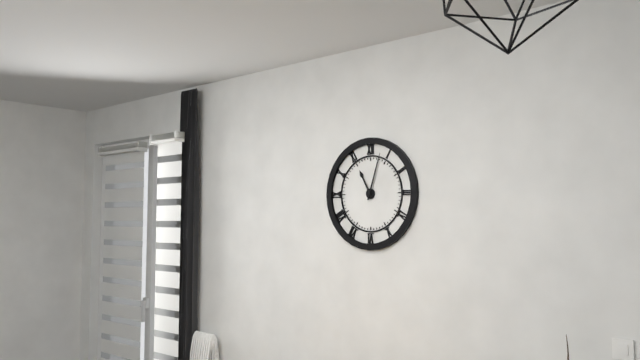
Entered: {"hour": 11, "minute": 3}
